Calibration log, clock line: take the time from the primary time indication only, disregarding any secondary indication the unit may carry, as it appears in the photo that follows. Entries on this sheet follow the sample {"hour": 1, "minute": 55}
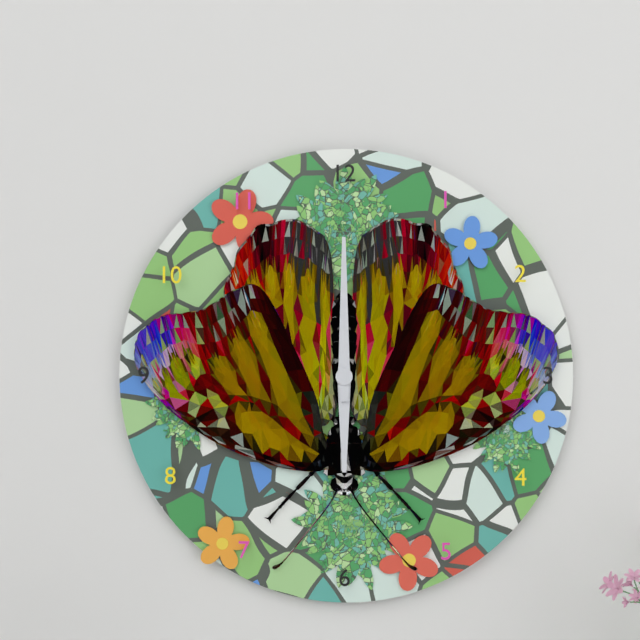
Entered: {"hour": 6, "minute": 0}
